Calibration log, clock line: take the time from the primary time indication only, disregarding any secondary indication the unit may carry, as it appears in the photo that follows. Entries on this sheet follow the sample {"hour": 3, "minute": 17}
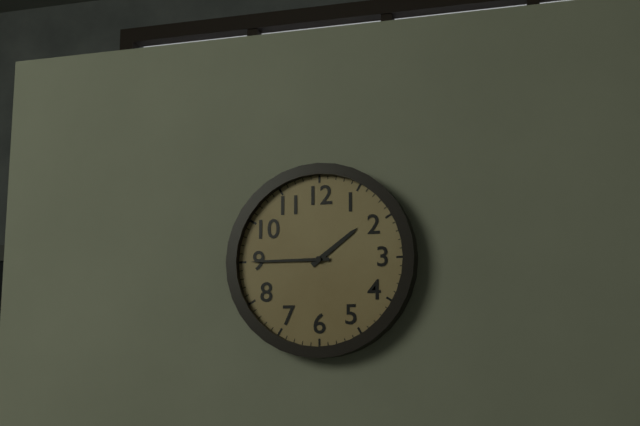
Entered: {"hour": 1, "minute": 45}
